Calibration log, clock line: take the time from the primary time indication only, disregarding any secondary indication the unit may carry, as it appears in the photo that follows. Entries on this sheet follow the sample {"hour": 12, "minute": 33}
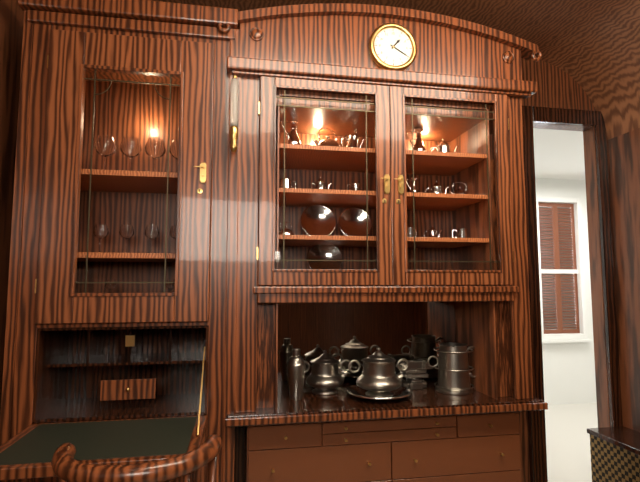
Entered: {"hour": 1, "minute": 20}
